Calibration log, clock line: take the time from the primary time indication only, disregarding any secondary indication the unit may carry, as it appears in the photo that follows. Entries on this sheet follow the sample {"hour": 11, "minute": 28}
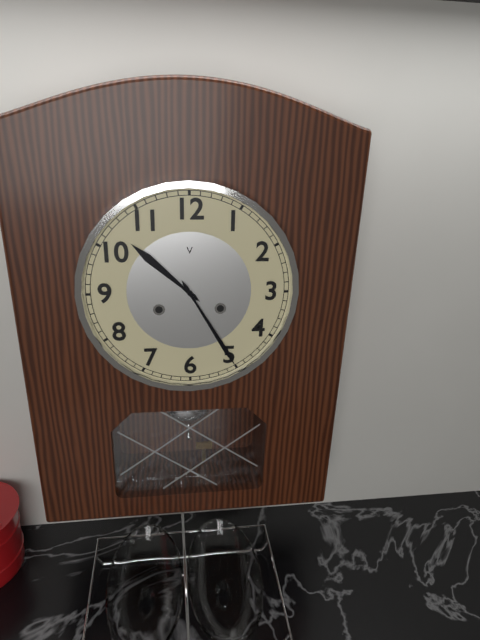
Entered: {"hour": 10, "minute": 25}
